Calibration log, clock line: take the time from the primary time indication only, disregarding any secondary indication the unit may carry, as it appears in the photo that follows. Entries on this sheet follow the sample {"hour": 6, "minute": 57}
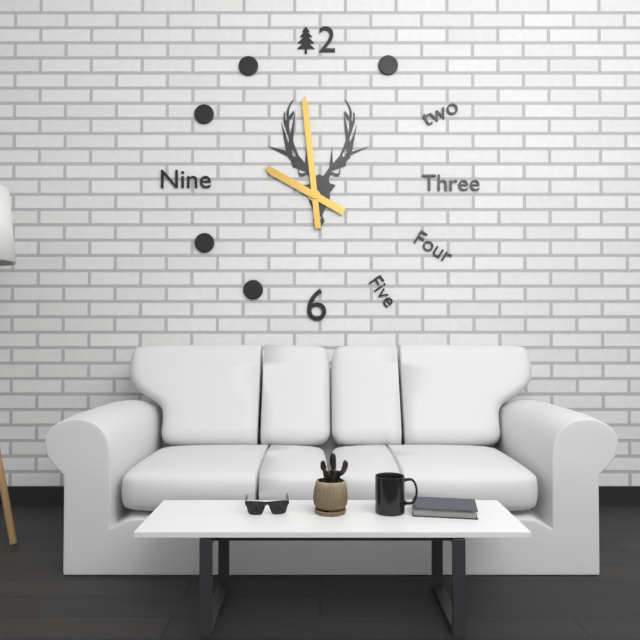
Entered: {"hour": 9, "minute": 59}
